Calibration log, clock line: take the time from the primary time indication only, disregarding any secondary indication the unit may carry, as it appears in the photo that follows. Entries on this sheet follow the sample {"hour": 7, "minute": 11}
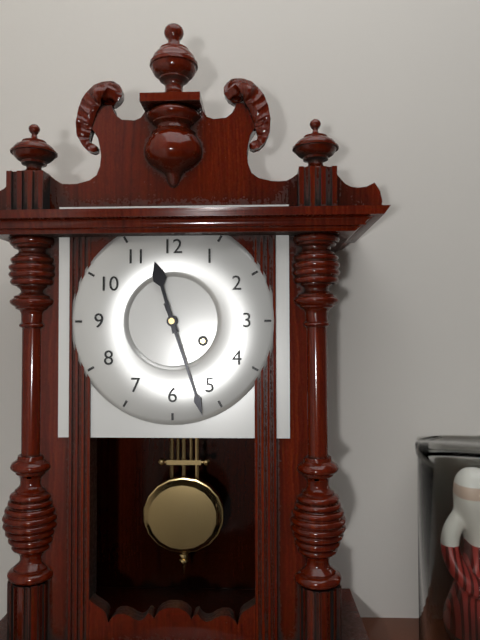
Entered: {"hour": 11, "minute": 27}
